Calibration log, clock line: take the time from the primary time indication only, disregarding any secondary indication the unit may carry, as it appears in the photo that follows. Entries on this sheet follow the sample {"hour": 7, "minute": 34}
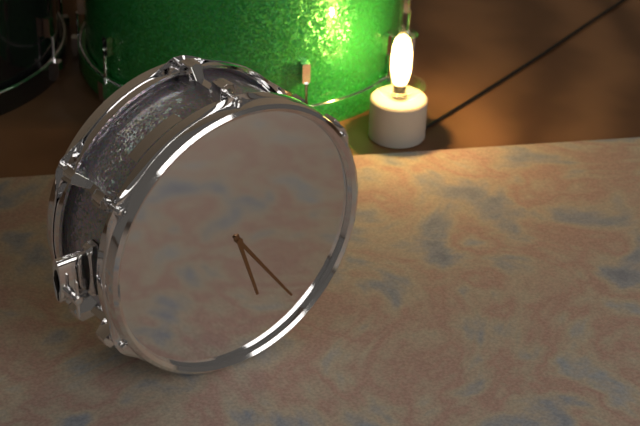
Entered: {"hour": 5, "minute": 24}
